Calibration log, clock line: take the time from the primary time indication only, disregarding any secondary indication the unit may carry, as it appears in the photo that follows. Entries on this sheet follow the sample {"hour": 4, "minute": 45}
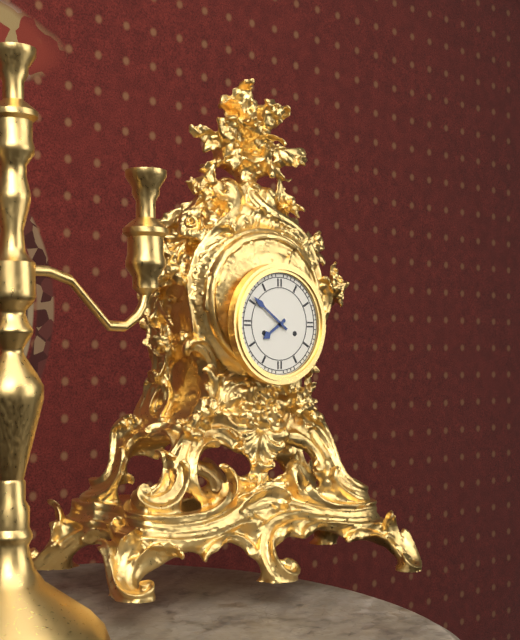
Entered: {"hour": 7, "minute": 51}
